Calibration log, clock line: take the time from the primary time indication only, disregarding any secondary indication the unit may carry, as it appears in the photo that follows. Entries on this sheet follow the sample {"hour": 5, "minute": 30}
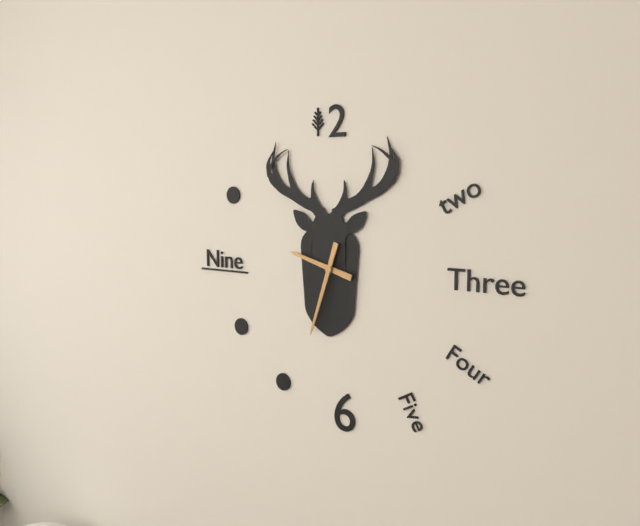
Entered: {"hour": 9, "minute": 33}
